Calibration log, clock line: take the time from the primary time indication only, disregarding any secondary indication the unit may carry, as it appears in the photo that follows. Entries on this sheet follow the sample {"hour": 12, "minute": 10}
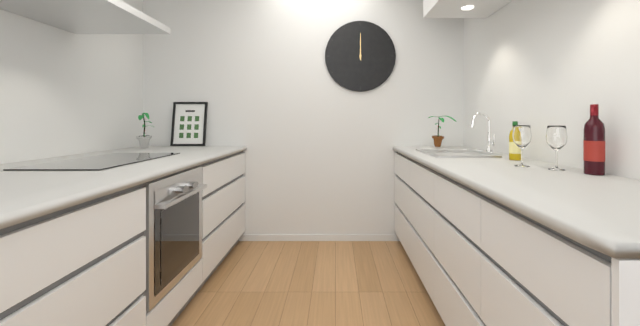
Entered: {"hour": 12, "minute": 0}
